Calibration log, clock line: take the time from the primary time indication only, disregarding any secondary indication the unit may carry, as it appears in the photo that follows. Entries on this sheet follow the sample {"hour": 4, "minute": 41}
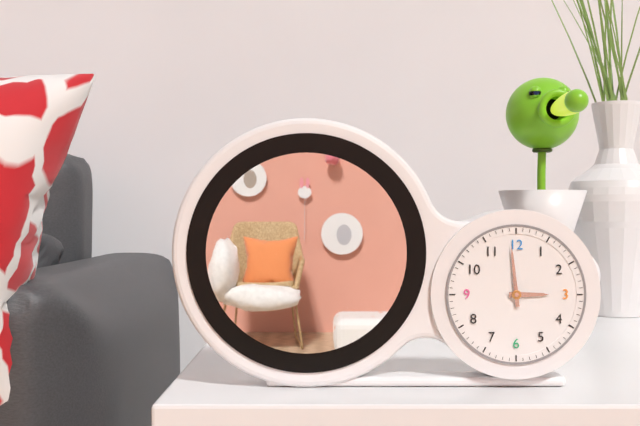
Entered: {"hour": 2, "minute": 59}
